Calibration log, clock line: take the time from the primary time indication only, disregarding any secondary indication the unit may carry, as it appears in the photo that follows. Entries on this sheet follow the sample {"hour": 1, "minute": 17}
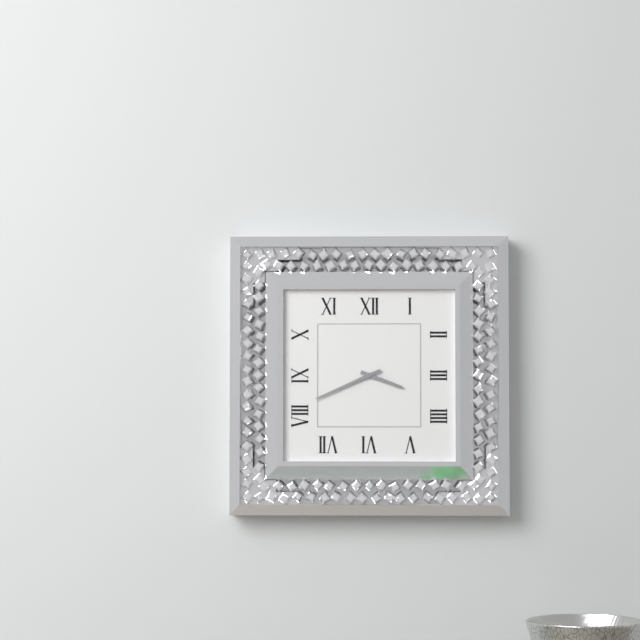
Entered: {"hour": 3, "minute": 41}
